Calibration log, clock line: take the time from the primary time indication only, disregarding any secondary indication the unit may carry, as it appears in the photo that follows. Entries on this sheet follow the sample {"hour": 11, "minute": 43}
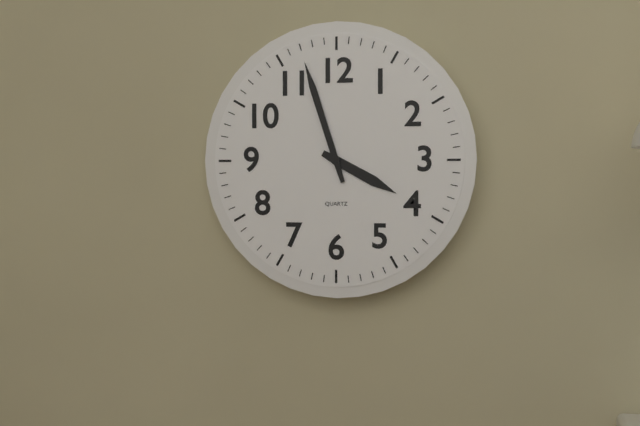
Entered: {"hour": 3, "minute": 57}
